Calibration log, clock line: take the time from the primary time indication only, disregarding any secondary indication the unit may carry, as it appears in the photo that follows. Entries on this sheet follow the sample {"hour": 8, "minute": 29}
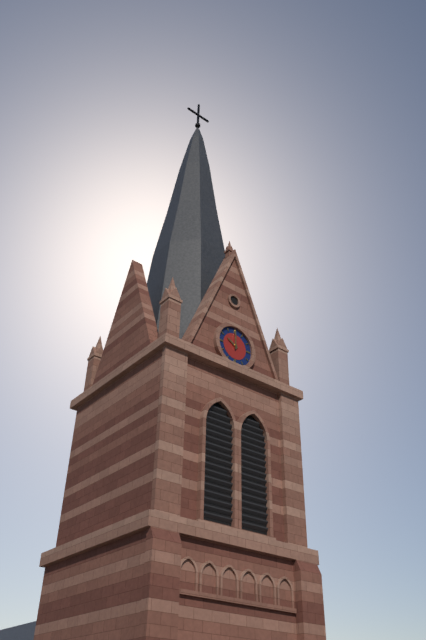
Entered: {"hour": 10, "minute": 0}
